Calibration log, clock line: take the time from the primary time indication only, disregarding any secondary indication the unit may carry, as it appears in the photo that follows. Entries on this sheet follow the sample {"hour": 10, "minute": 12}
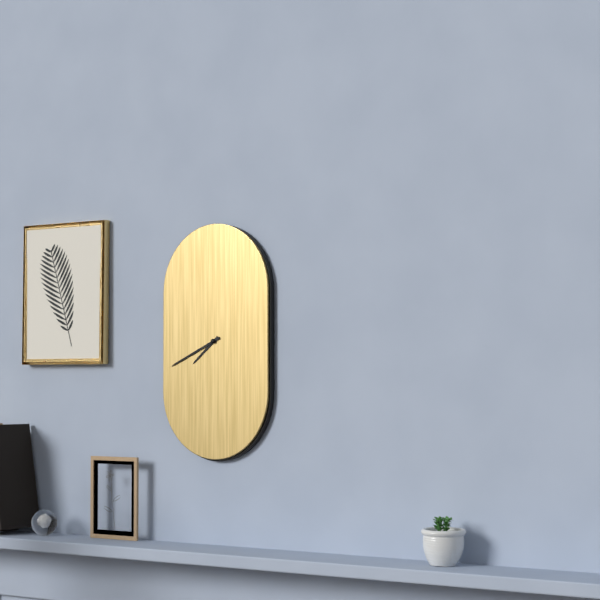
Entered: {"hour": 7, "minute": 41}
